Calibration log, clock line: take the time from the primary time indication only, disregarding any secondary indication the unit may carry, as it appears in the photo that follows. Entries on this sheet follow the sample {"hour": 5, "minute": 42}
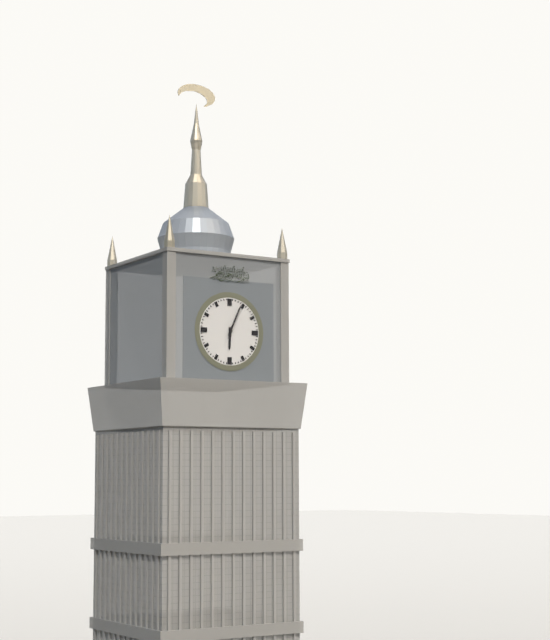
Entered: {"hour": 6, "minute": 4}
